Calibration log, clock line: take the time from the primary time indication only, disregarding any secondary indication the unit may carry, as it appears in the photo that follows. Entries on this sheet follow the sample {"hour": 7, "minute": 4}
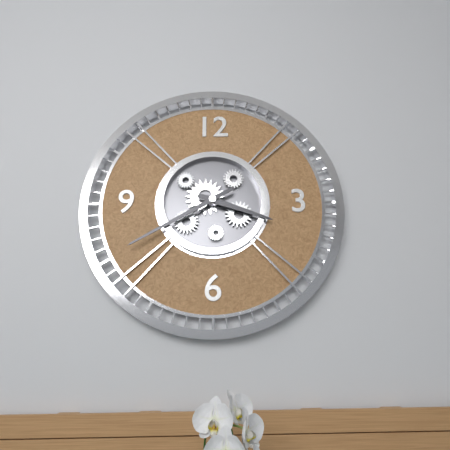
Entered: {"hour": 3, "minute": 40}
